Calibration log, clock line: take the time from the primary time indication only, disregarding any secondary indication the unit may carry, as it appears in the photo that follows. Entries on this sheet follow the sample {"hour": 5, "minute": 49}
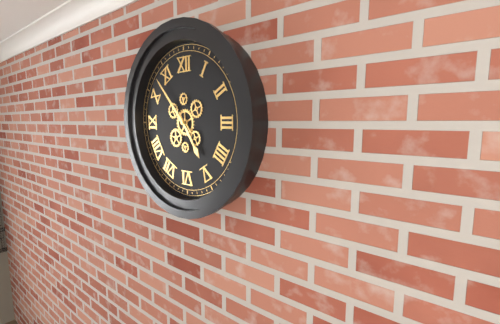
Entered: {"hour": 4, "minute": 53}
